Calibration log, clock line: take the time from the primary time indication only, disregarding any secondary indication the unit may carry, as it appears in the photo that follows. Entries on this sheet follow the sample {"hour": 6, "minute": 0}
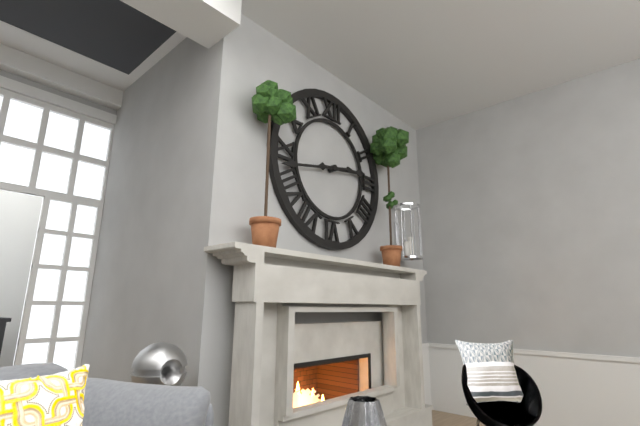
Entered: {"hour": 2, "minute": 43}
